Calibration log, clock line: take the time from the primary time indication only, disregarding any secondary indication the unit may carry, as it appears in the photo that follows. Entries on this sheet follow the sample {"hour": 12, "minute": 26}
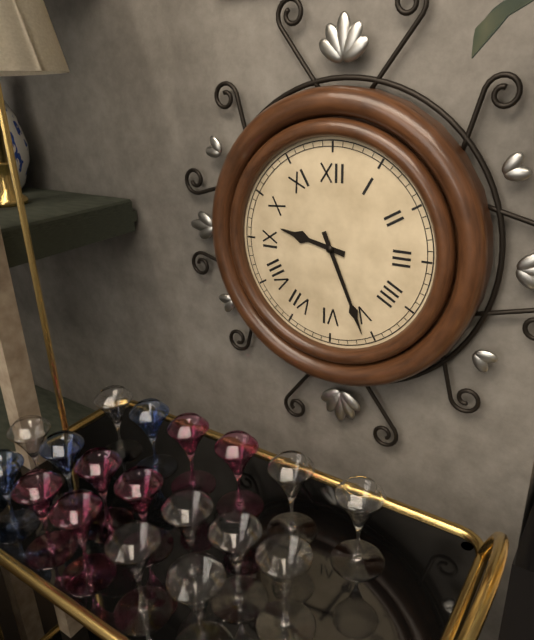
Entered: {"hour": 9, "minute": 26}
